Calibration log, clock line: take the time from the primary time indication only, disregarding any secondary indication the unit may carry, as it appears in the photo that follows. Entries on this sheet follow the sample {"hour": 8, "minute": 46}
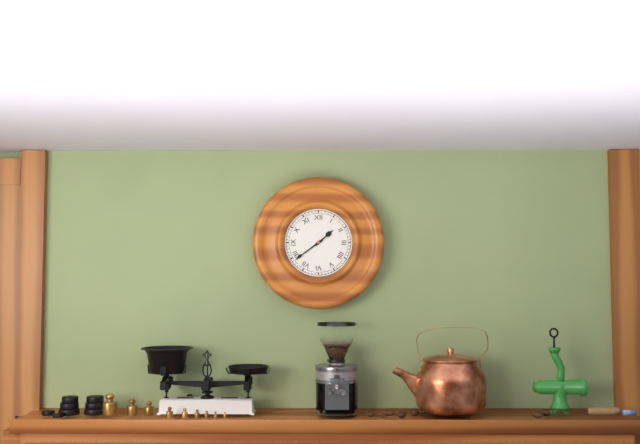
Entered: {"hour": 1, "minute": 39}
